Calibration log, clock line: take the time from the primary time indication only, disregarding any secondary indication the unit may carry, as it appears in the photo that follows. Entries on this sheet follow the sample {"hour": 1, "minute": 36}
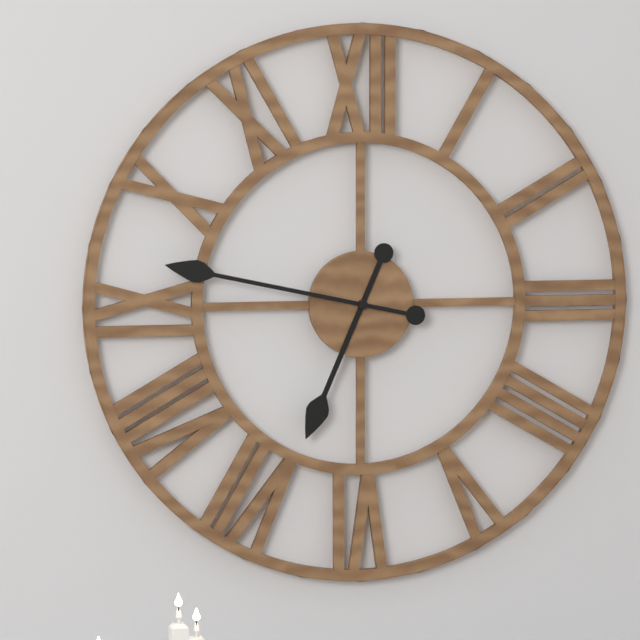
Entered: {"hour": 6, "minute": 47}
